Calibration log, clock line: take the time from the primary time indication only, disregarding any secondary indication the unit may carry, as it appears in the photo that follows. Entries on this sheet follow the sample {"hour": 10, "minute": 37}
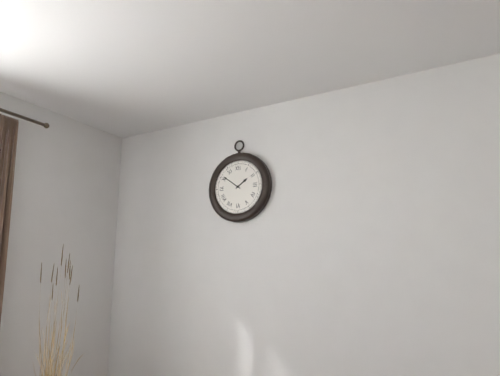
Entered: {"hour": 1, "minute": 51}
